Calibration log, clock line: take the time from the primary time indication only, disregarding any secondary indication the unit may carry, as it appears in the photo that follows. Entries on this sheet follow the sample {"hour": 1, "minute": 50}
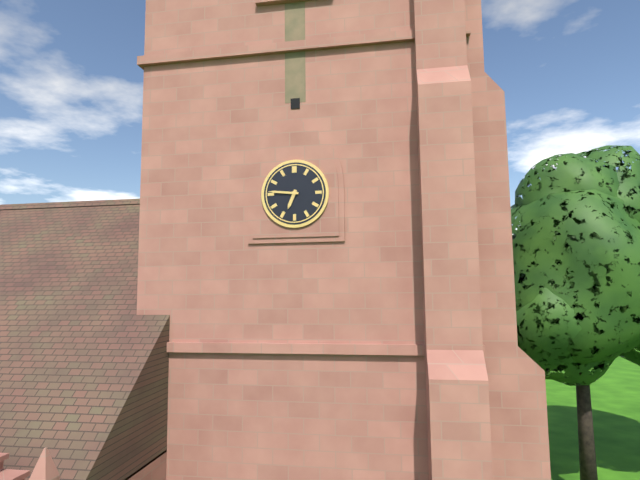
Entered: {"hour": 6, "minute": 46}
